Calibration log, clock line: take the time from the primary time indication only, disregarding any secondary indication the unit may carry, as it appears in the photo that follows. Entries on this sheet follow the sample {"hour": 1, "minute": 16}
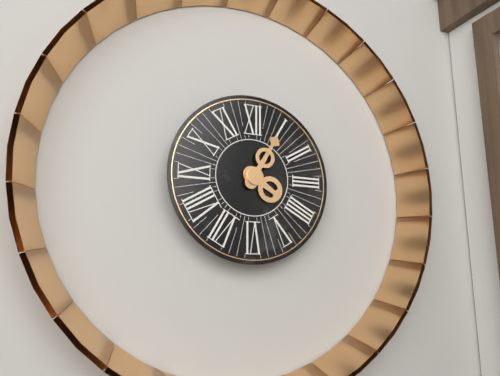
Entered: {"hour": 4, "minute": 5}
